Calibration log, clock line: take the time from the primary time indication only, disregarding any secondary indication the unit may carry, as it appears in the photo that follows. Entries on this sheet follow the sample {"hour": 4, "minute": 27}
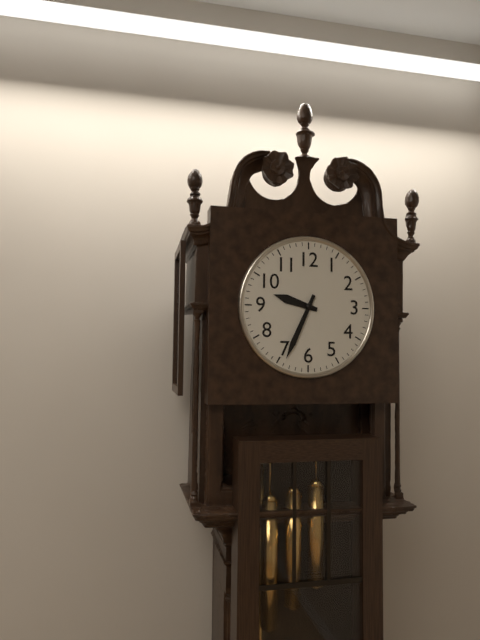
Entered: {"hour": 9, "minute": 34}
